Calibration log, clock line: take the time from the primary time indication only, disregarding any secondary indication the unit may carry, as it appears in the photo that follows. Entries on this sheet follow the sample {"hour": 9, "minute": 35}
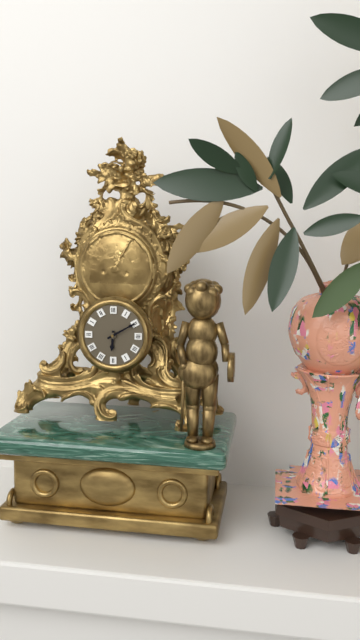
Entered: {"hour": 6, "minute": 10}
